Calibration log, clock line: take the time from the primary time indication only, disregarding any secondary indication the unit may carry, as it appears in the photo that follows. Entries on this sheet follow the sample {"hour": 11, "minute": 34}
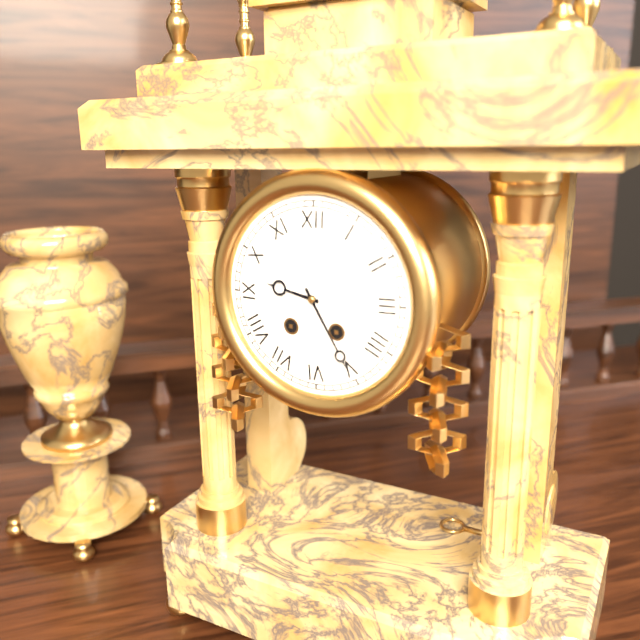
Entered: {"hour": 9, "minute": 25}
